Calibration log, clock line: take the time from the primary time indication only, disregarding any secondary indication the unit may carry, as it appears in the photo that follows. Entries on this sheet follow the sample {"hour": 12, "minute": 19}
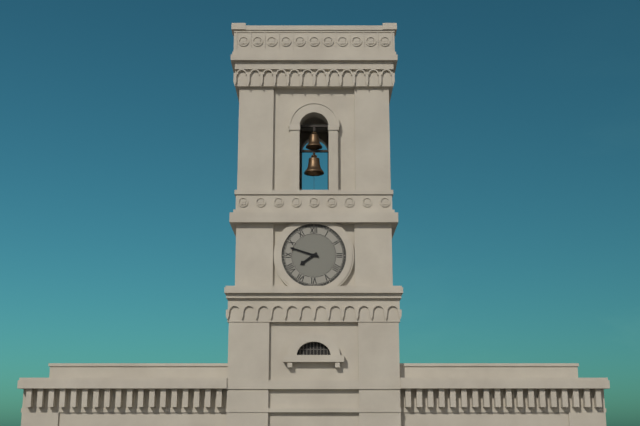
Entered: {"hour": 7, "minute": 48}
